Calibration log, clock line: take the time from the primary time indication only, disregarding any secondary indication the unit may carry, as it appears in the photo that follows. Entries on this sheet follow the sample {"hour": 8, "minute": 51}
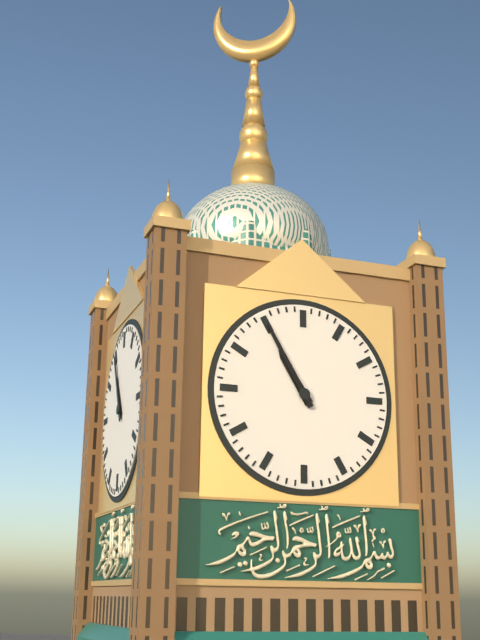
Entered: {"hour": 10, "minute": 55}
